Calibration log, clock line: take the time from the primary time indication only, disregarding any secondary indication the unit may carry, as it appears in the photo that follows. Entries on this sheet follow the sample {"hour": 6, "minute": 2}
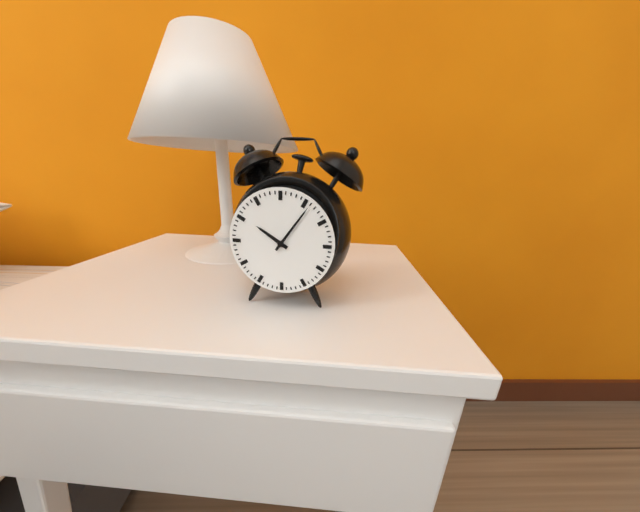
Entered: {"hour": 10, "minute": 6}
